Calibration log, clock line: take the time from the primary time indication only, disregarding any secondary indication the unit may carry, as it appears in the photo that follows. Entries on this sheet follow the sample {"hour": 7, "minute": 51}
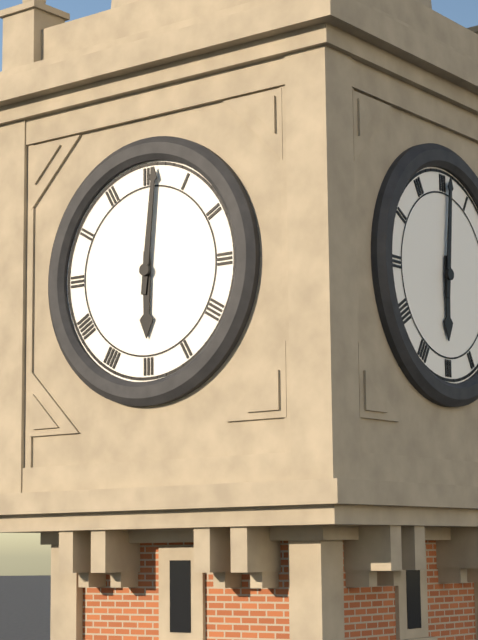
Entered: {"hour": 6, "minute": 1}
